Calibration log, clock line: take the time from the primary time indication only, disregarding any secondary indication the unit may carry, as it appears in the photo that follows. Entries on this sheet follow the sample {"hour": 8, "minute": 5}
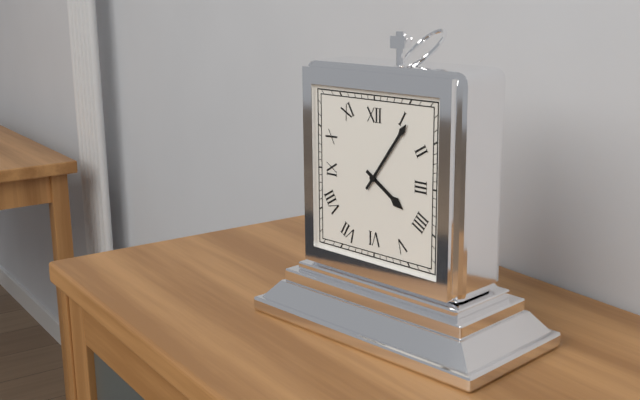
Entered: {"hour": 4, "minute": 6}
